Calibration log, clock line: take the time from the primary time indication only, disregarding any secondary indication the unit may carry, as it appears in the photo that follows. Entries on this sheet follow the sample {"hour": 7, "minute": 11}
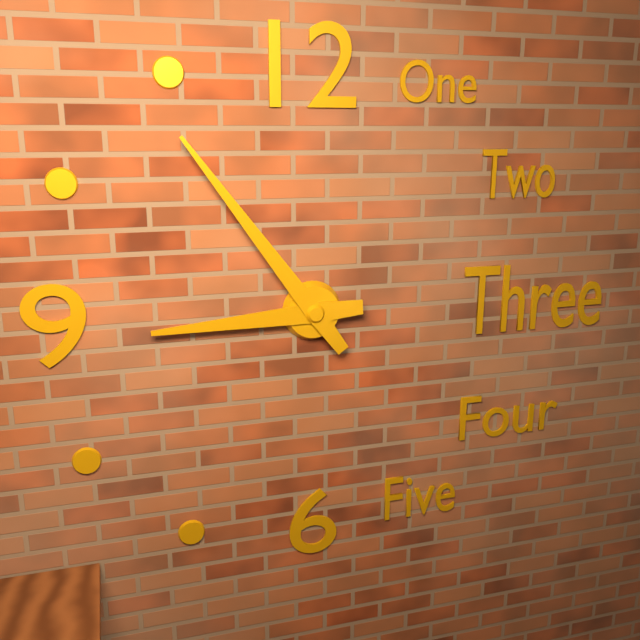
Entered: {"hour": 8, "minute": 54}
